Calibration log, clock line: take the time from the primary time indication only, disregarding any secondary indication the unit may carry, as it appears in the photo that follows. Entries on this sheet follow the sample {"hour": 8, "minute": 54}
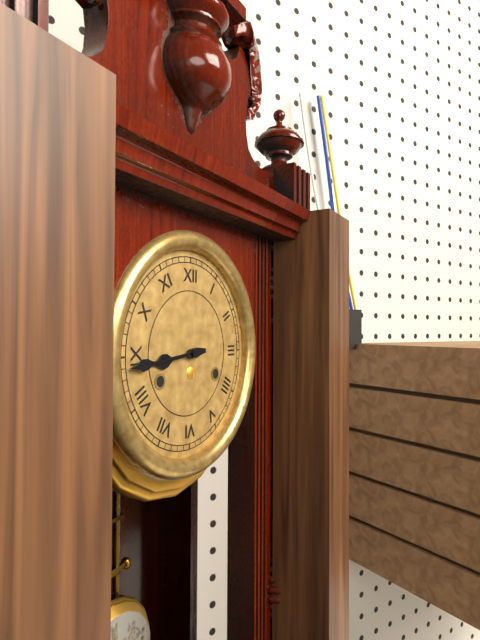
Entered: {"hour": 8, "minute": 44}
